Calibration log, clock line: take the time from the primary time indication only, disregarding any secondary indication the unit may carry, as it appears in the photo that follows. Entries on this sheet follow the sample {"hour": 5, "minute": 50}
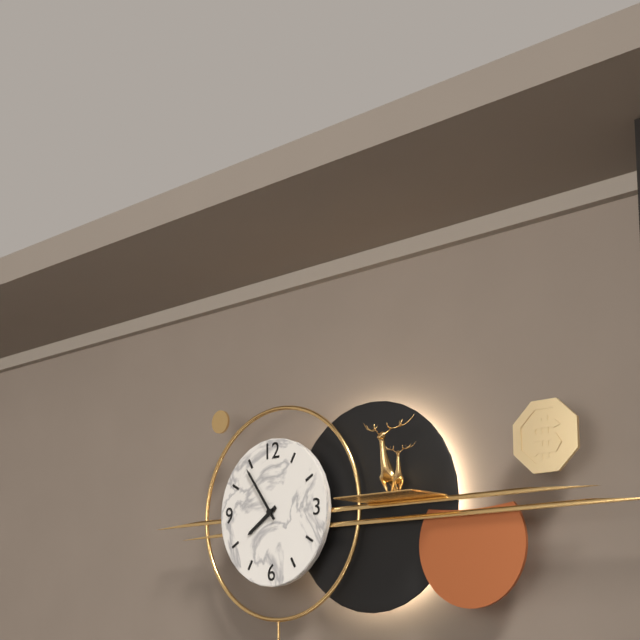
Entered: {"hour": 7, "minute": 54}
